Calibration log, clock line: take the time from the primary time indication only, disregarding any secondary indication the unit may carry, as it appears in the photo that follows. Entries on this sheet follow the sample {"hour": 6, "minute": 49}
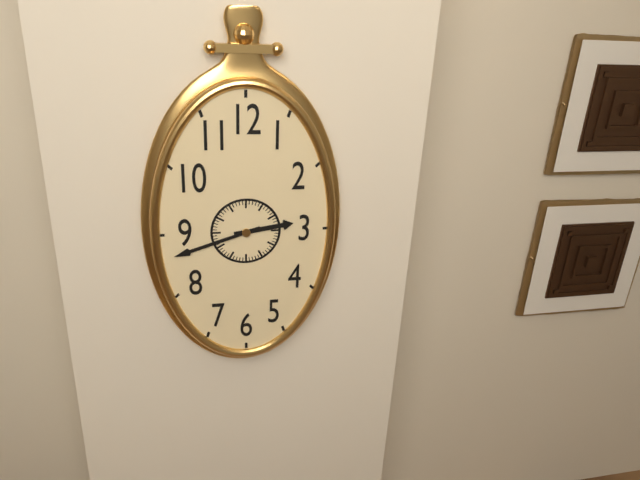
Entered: {"hour": 2, "minute": 42}
